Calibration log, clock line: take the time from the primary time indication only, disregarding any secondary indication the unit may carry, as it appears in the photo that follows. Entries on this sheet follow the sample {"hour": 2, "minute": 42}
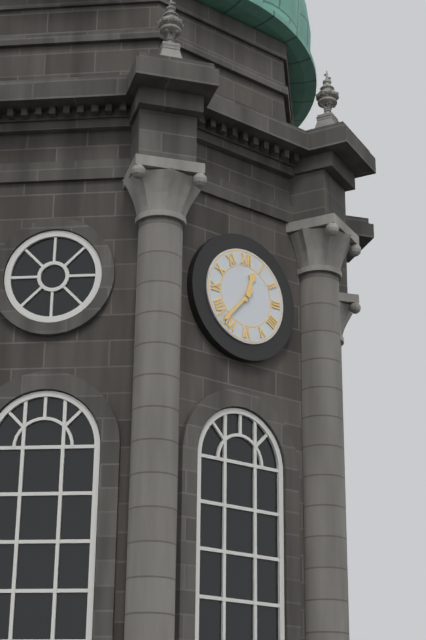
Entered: {"hour": 12, "minute": 37}
